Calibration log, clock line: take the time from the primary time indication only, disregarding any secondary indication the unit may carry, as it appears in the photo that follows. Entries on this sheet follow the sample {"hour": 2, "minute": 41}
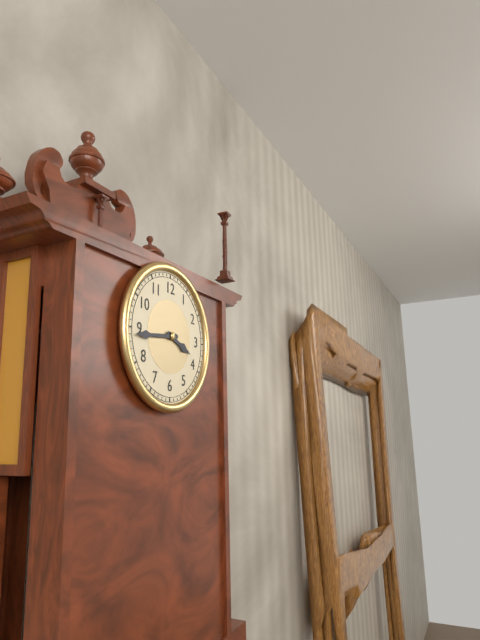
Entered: {"hour": 3, "minute": 44}
